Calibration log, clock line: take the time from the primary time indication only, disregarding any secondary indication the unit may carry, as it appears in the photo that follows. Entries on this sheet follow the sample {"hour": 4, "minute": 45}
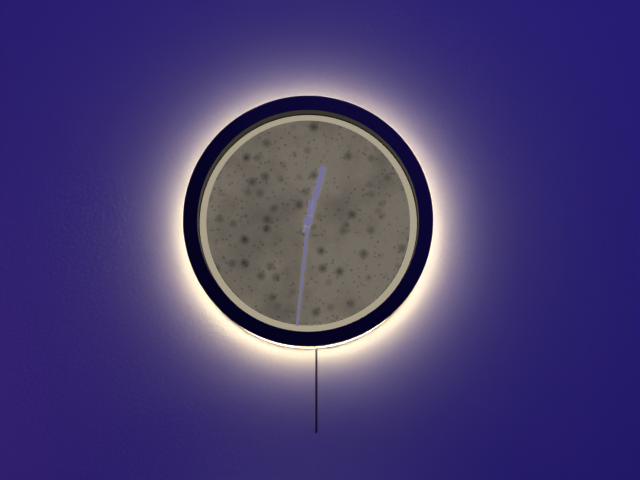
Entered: {"hour": 12, "minute": 31}
